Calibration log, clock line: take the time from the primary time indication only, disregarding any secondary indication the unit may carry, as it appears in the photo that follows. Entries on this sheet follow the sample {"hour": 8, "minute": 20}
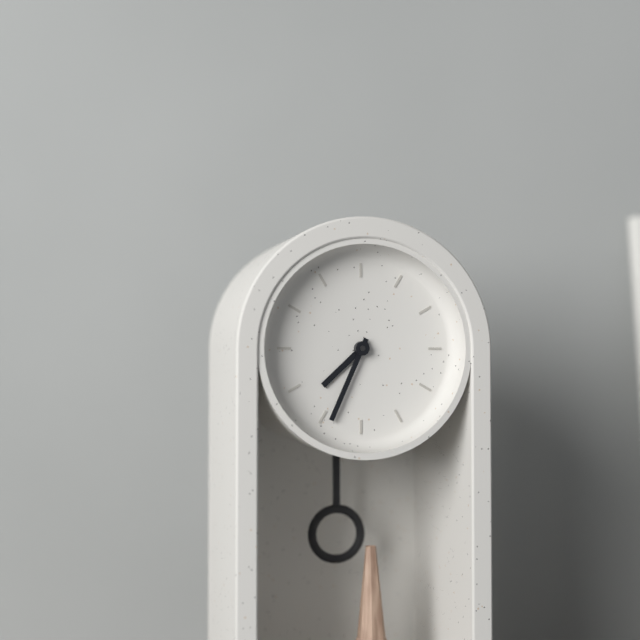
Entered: {"hour": 7, "minute": 34}
